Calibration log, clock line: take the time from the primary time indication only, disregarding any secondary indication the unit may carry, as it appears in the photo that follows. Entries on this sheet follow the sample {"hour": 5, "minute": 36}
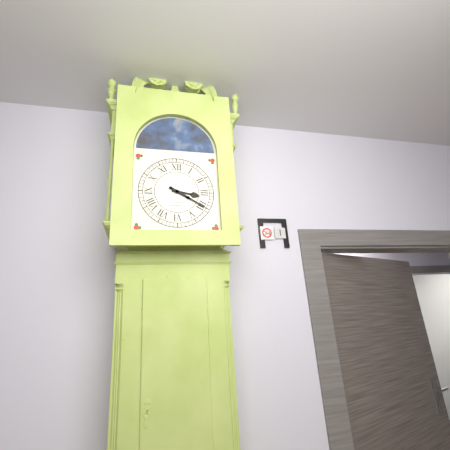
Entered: {"hour": 3, "minute": 20}
